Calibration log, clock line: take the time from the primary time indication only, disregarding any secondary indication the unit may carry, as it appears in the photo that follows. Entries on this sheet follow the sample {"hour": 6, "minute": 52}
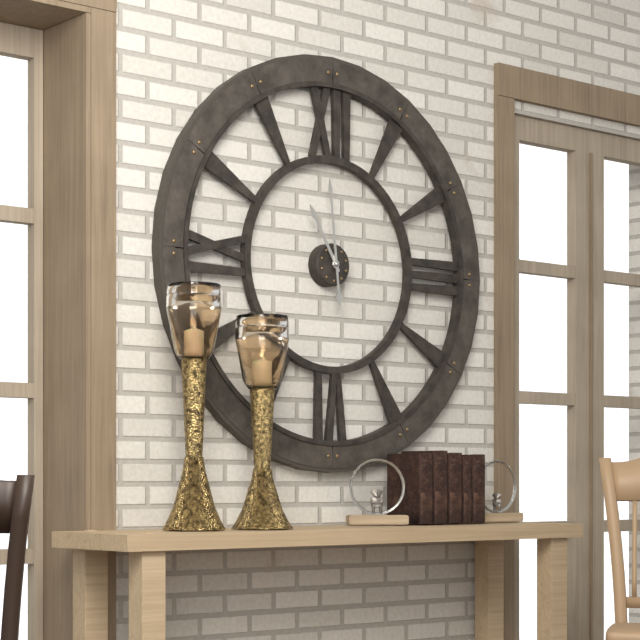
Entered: {"hour": 10, "minute": 59}
